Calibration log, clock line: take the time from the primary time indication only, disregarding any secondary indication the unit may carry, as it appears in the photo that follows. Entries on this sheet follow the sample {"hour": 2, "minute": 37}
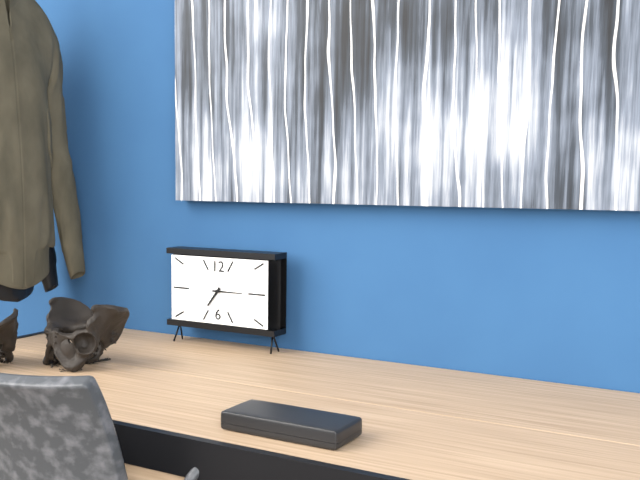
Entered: {"hour": 7, "minute": 15}
